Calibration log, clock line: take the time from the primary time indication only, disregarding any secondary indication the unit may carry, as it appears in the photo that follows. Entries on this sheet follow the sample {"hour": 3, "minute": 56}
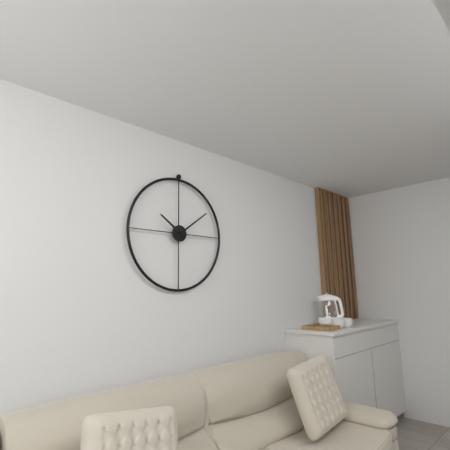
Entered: {"hour": 10, "minute": 9}
